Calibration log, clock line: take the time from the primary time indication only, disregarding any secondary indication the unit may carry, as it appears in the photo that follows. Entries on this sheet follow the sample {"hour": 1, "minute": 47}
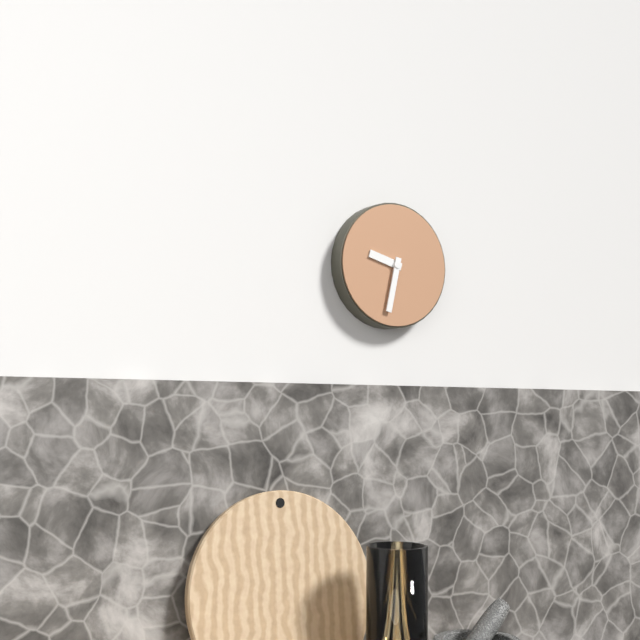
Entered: {"hour": 9, "minute": 32}
